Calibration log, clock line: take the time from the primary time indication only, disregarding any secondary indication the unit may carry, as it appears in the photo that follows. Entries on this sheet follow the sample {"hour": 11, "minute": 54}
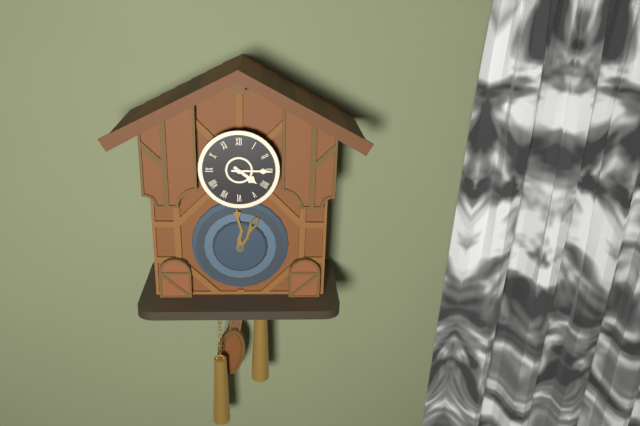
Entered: {"hour": 4, "minute": 15}
